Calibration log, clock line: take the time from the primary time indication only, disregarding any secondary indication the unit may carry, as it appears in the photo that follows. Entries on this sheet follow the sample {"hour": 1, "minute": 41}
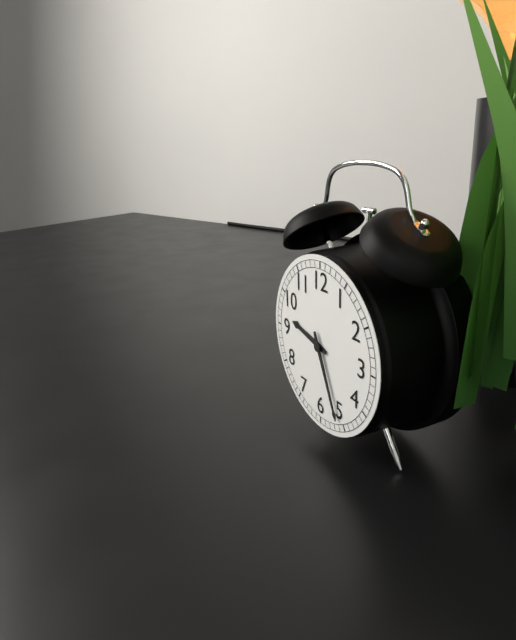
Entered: {"hour": 9, "minute": 26}
